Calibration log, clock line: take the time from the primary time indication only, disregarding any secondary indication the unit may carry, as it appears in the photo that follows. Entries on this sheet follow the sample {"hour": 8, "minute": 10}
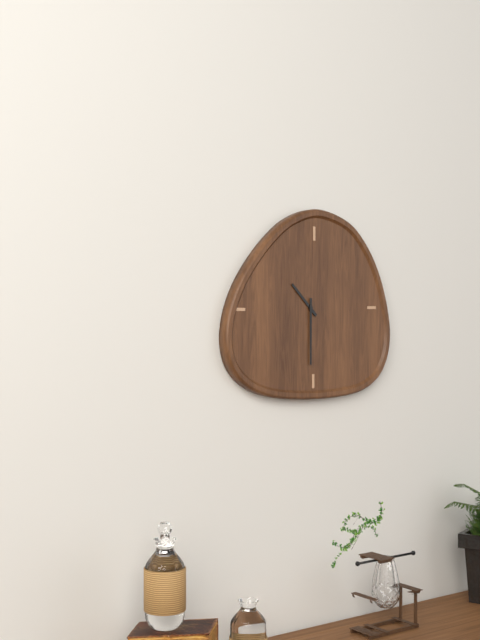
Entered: {"hour": 10, "minute": 30}
